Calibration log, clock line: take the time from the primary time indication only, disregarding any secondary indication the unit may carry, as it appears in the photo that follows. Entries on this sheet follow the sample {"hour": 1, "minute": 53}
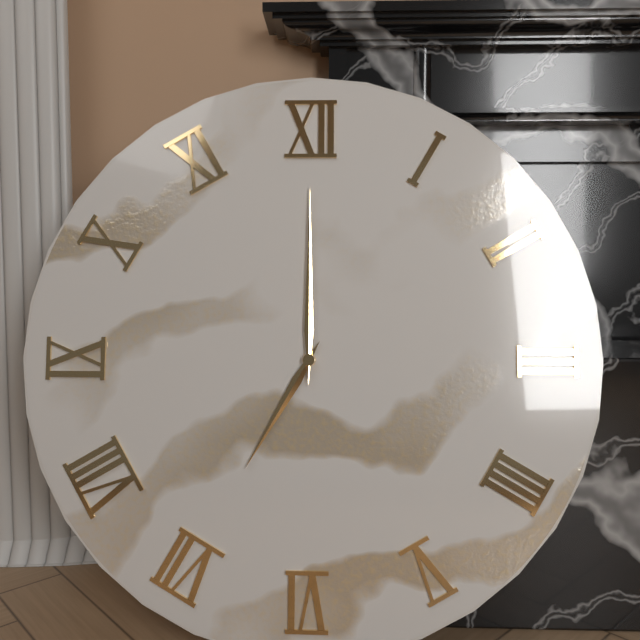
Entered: {"hour": 7, "minute": 0}
